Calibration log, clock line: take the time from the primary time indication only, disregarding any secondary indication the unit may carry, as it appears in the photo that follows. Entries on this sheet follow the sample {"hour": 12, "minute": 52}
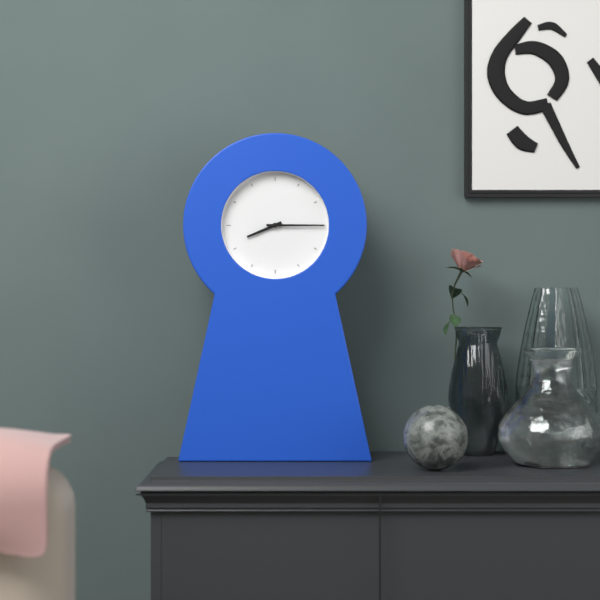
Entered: {"hour": 8, "minute": 15}
